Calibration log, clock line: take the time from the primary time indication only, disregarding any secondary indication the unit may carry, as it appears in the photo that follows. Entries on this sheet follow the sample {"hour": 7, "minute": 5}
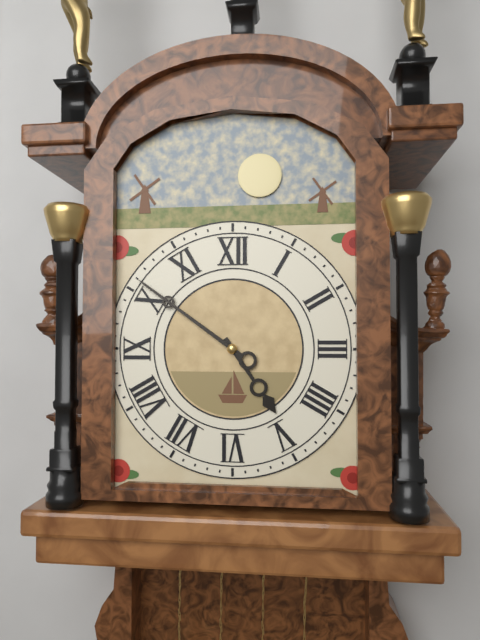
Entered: {"hour": 4, "minute": 51}
